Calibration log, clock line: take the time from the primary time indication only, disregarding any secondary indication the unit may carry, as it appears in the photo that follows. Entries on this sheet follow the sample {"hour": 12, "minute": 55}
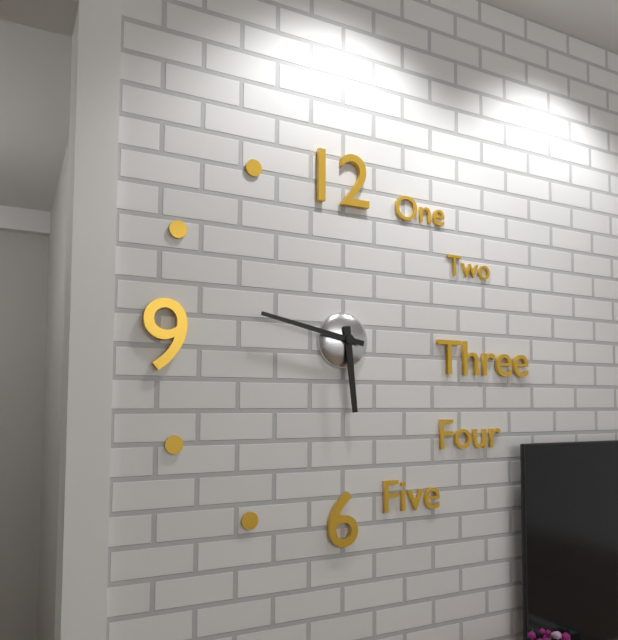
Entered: {"hour": 5, "minute": 47}
